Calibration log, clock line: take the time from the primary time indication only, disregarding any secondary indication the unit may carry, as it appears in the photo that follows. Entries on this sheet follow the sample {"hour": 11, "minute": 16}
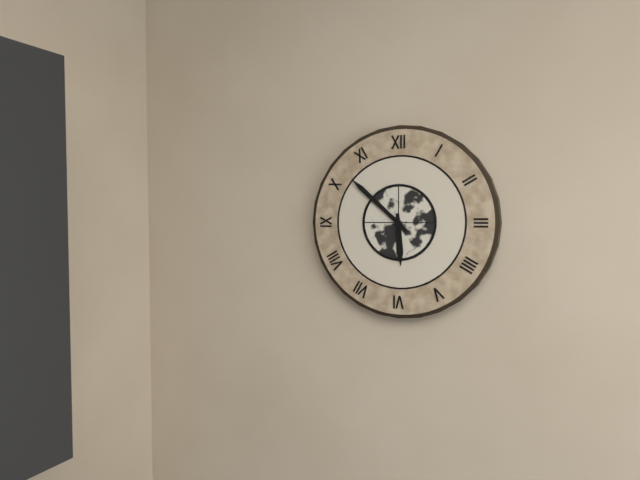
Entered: {"hour": 5, "minute": 52}
